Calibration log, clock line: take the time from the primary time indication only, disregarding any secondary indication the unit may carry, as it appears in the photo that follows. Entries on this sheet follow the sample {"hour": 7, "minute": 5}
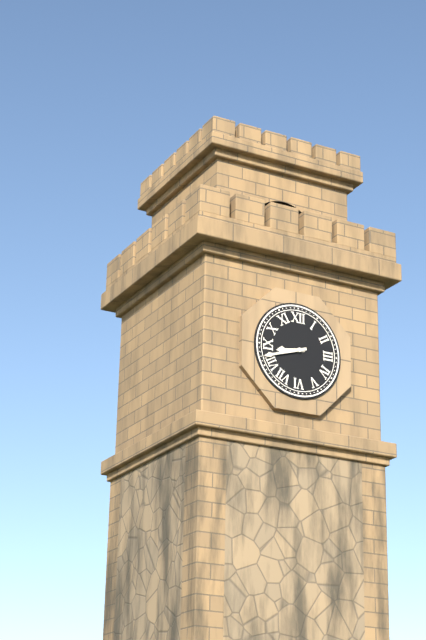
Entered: {"hour": 8, "minute": 42}
